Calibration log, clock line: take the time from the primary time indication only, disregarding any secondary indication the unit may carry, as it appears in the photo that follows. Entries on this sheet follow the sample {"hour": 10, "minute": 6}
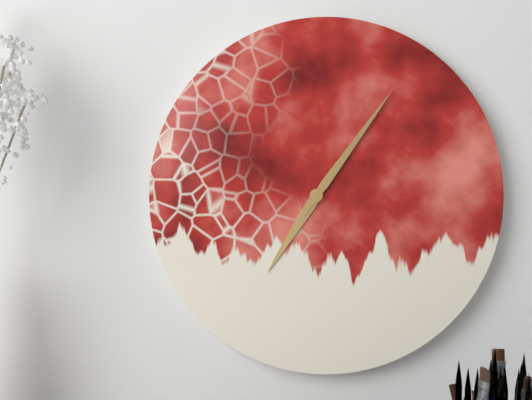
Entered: {"hour": 7, "minute": 6}
